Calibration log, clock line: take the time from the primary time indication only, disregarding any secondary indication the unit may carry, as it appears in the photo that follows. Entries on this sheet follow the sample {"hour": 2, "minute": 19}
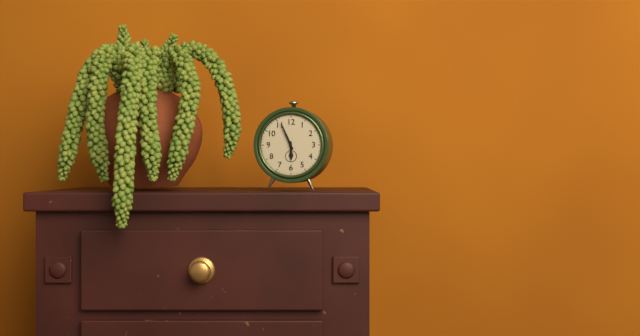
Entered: {"hour": 5, "minute": 56}
